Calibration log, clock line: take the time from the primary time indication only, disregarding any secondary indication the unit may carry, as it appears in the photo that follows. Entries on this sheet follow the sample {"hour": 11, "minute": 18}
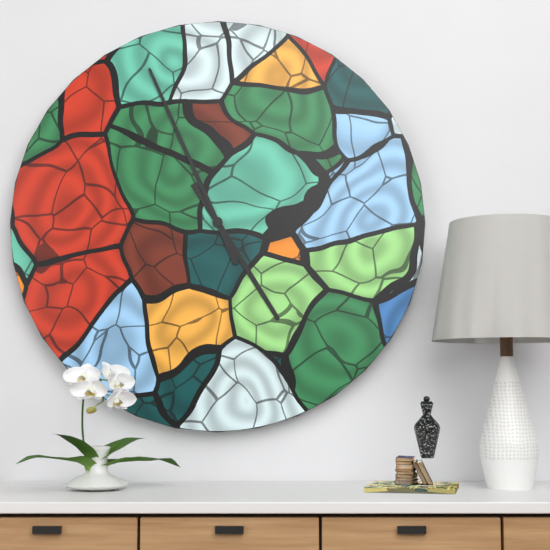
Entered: {"hour": 4, "minute": 56}
